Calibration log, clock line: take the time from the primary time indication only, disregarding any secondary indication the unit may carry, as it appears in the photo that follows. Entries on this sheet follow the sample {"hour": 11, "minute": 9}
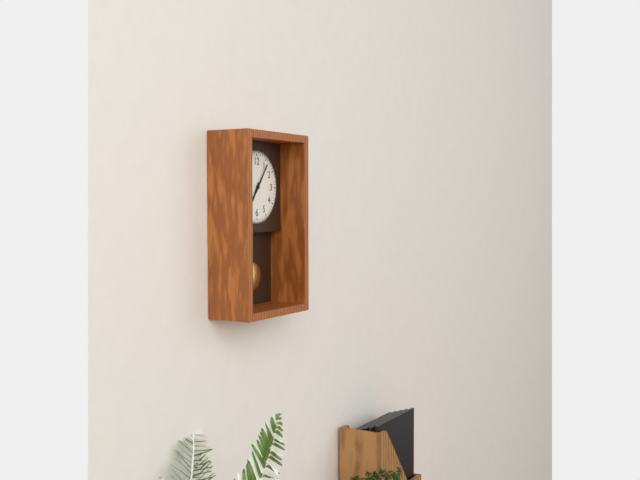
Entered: {"hour": 7, "minute": 6}
